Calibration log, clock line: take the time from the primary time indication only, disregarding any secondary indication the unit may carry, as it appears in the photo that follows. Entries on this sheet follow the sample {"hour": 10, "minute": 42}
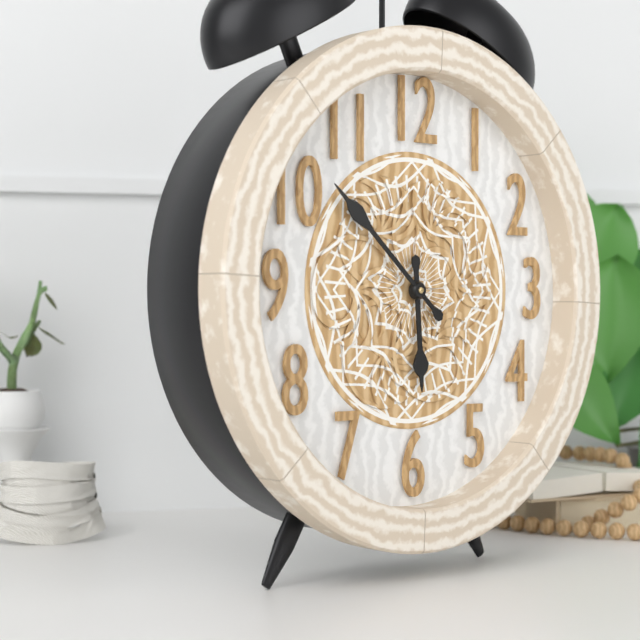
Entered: {"hour": 5, "minute": 52}
